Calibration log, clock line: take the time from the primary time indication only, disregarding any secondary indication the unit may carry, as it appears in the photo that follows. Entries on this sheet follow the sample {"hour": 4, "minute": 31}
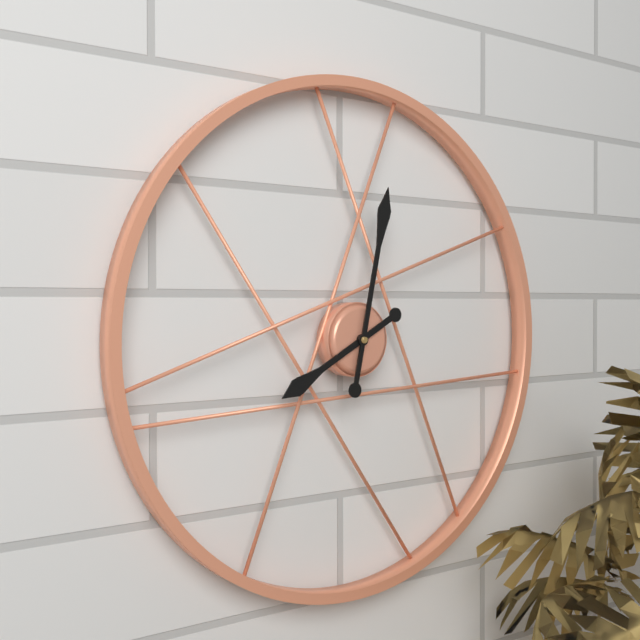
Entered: {"hour": 8, "minute": 2}
